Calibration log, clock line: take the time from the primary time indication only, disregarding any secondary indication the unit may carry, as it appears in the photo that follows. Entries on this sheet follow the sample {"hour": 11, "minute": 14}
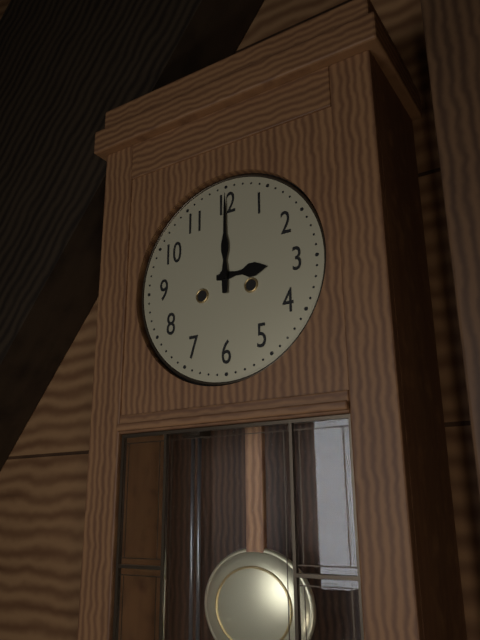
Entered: {"hour": 3, "minute": 0}
